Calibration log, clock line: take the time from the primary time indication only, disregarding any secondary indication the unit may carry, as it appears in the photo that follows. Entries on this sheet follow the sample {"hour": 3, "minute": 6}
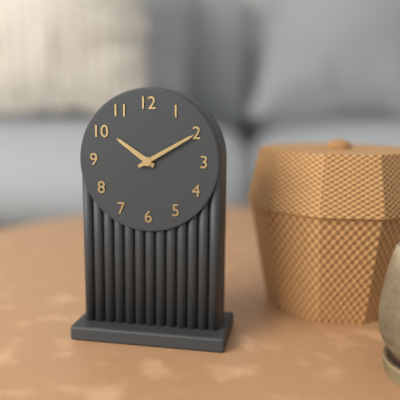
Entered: {"hour": 10, "minute": 10}
